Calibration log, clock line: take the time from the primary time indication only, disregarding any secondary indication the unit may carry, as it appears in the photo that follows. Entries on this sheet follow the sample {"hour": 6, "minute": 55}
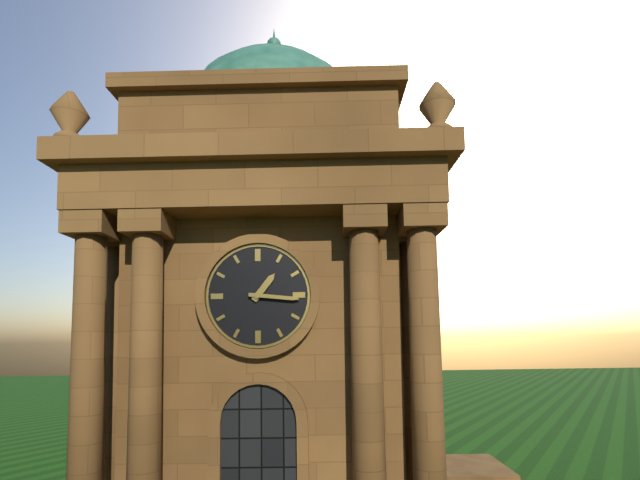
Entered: {"hour": 1, "minute": 16}
